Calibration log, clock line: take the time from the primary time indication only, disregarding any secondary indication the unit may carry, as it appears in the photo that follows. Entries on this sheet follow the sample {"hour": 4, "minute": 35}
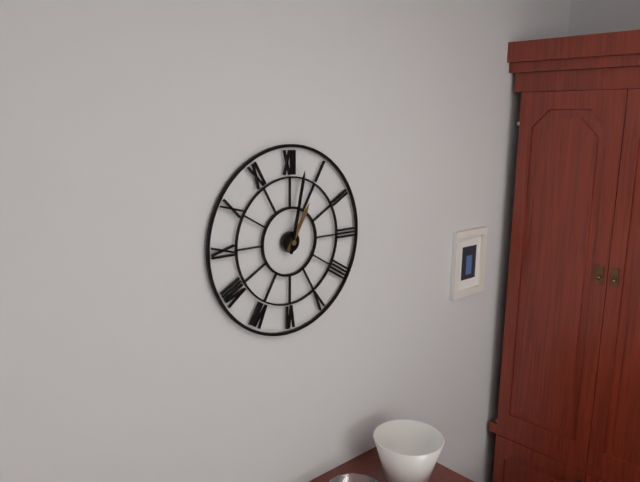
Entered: {"hour": 1, "minute": 2}
